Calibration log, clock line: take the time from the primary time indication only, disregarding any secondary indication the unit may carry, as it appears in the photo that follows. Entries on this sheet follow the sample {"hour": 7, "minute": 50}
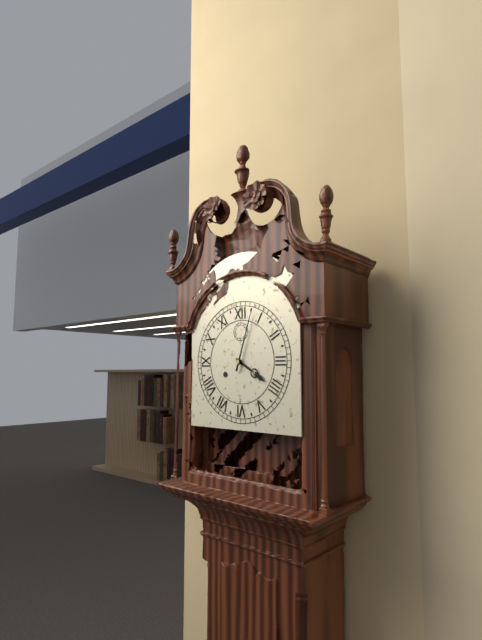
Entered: {"hour": 4, "minute": 3}
